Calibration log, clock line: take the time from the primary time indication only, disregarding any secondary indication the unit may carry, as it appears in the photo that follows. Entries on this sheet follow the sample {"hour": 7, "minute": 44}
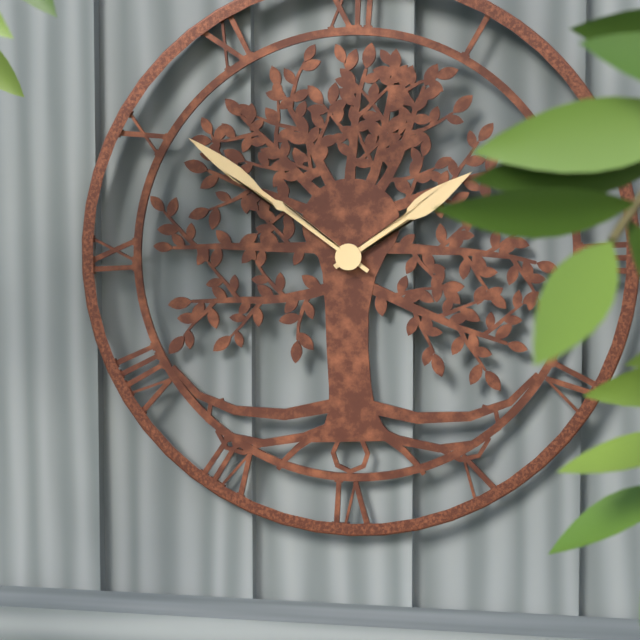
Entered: {"hour": 1, "minute": 51}
